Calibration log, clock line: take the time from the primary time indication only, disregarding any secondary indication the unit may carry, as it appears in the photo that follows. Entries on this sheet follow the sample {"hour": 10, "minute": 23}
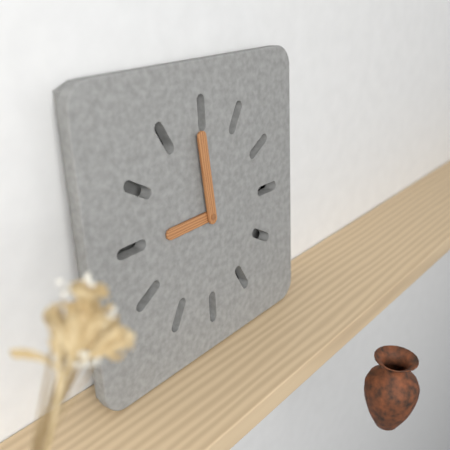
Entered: {"hour": 8, "minute": 59}
